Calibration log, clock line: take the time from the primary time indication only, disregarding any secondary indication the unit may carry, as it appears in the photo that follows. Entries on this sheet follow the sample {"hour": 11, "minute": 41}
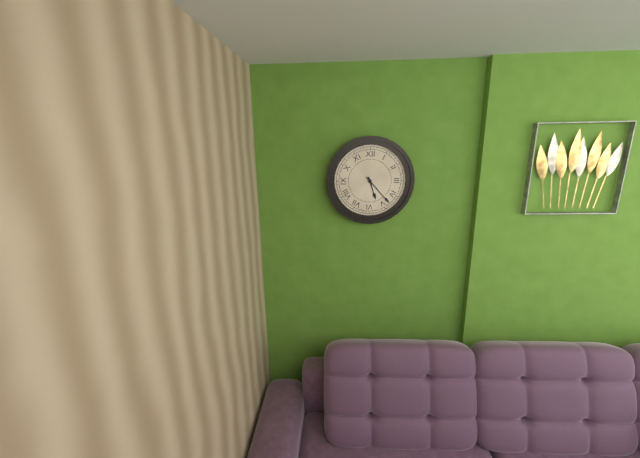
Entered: {"hour": 5, "minute": 23}
